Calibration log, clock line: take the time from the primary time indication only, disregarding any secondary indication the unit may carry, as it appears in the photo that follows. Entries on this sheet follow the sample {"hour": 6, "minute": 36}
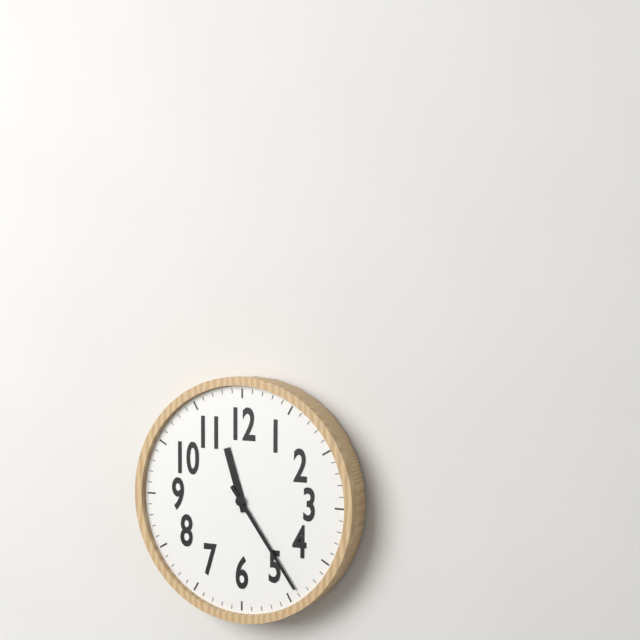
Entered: {"hour": 11, "minute": 24}
